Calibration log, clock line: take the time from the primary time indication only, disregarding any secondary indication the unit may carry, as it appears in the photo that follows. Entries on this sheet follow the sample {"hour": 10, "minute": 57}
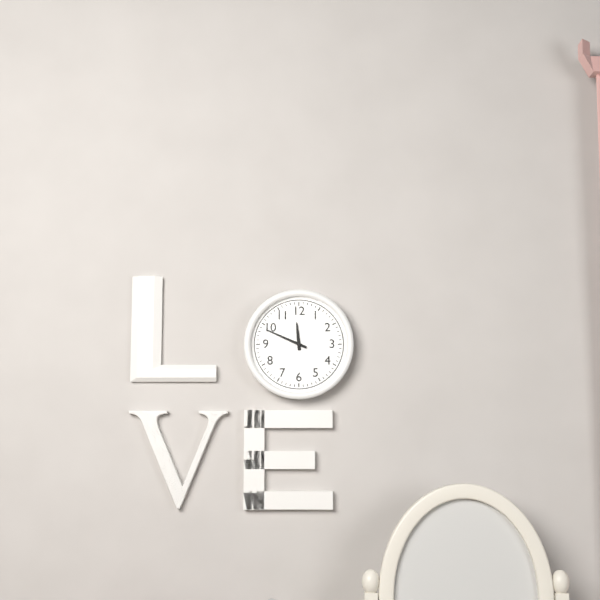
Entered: {"hour": 11, "minute": 49}
